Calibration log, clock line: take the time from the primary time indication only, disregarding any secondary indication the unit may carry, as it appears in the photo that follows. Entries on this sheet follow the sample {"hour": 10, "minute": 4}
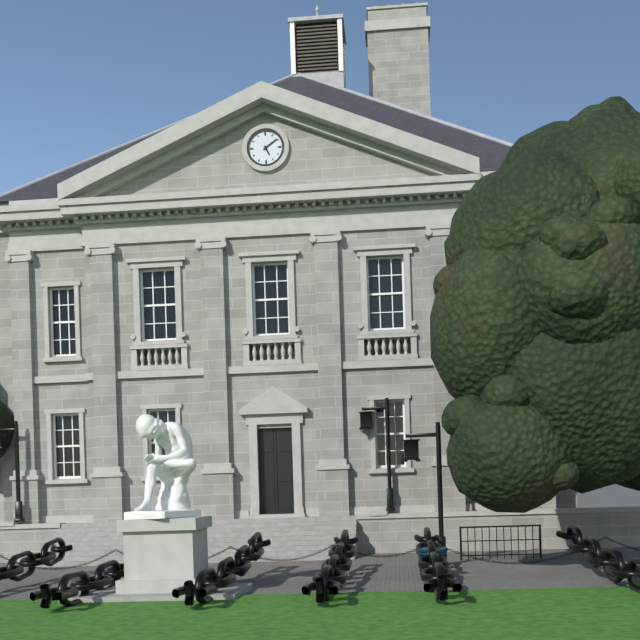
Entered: {"hour": 5, "minute": 9}
